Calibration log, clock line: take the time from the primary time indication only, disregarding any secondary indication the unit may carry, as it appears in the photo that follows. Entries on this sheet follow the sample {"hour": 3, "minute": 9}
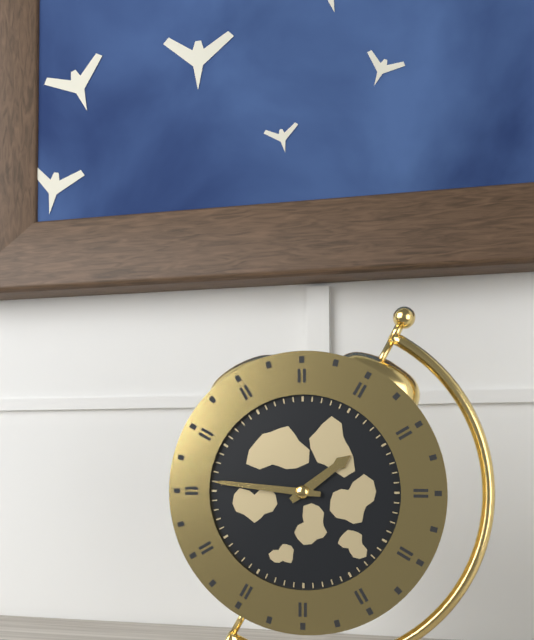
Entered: {"hour": 1, "minute": 46}
